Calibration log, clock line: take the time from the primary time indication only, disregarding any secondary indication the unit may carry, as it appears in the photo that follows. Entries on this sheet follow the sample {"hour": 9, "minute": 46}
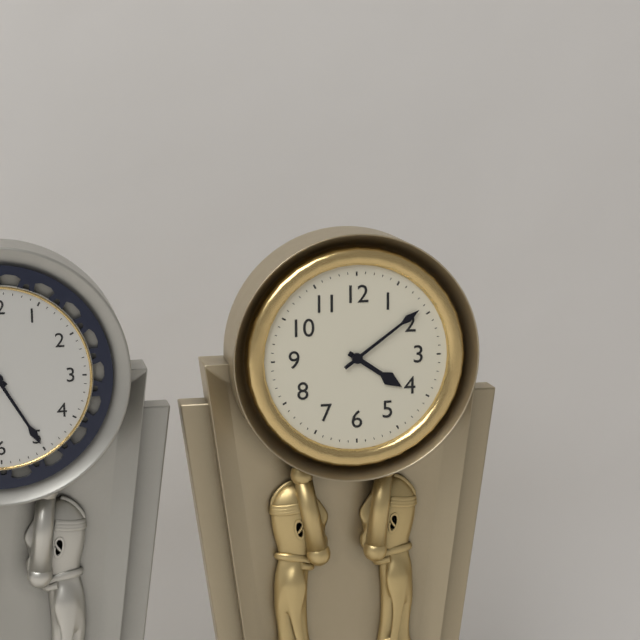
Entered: {"hour": 4, "minute": 9}
